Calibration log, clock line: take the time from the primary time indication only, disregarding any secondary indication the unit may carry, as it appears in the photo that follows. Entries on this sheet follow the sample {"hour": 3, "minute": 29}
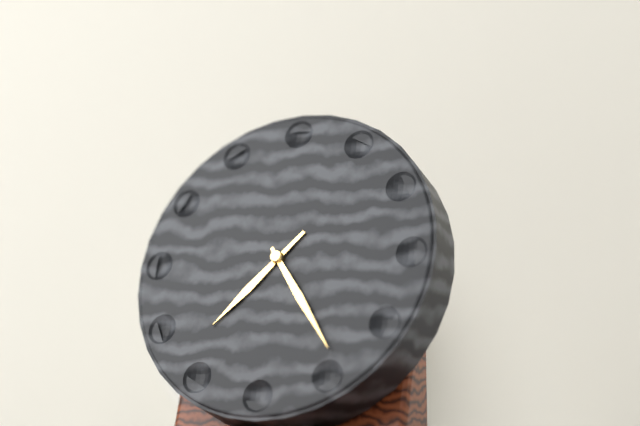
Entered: {"hour": 7, "minute": 24}
